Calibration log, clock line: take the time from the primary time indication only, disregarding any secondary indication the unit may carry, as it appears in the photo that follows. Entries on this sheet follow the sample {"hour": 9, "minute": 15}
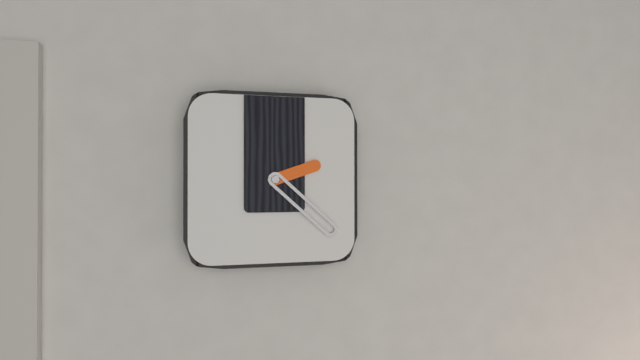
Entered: {"hour": 2, "minute": 22}
